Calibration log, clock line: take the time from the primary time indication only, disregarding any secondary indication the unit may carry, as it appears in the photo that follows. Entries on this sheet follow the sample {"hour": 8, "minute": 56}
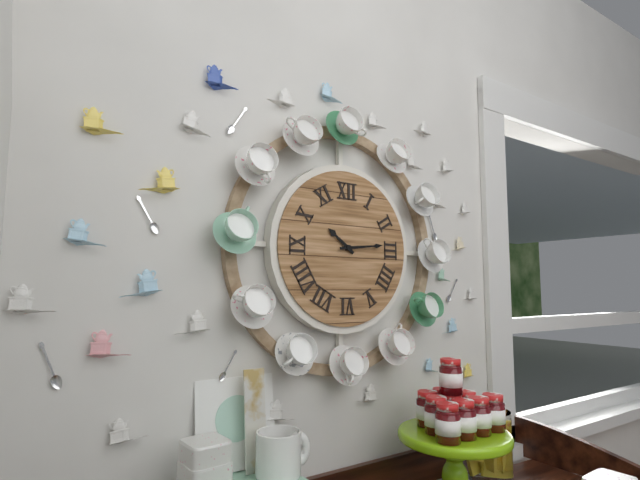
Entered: {"hour": 10, "minute": 14}
